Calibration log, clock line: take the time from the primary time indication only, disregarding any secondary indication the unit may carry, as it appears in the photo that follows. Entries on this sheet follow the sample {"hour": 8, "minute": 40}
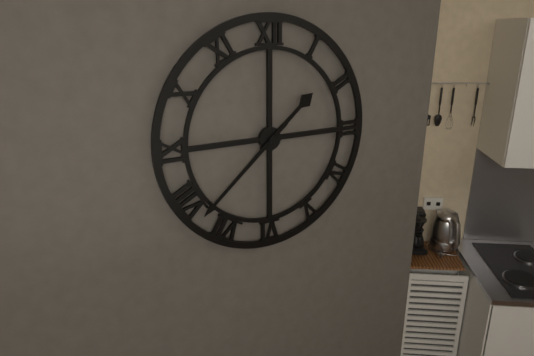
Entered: {"hour": 1, "minute": 38}
